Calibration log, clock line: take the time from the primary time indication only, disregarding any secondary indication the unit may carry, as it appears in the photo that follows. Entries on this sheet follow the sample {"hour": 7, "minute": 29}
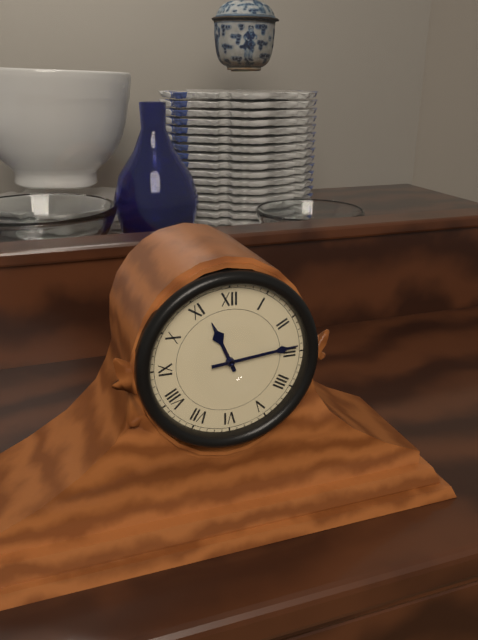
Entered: {"hour": 11, "minute": 14}
